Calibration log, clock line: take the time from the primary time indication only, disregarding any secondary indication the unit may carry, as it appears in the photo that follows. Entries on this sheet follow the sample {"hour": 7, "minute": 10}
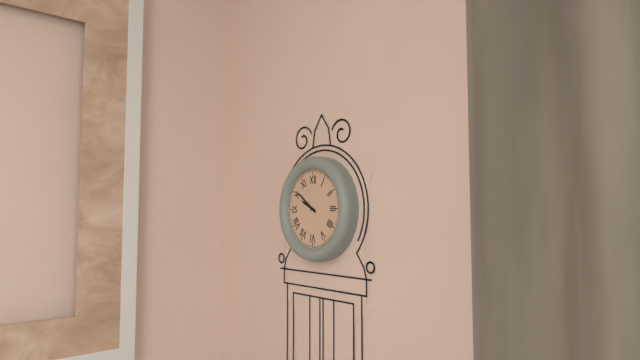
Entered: {"hour": 9, "minute": 51}
